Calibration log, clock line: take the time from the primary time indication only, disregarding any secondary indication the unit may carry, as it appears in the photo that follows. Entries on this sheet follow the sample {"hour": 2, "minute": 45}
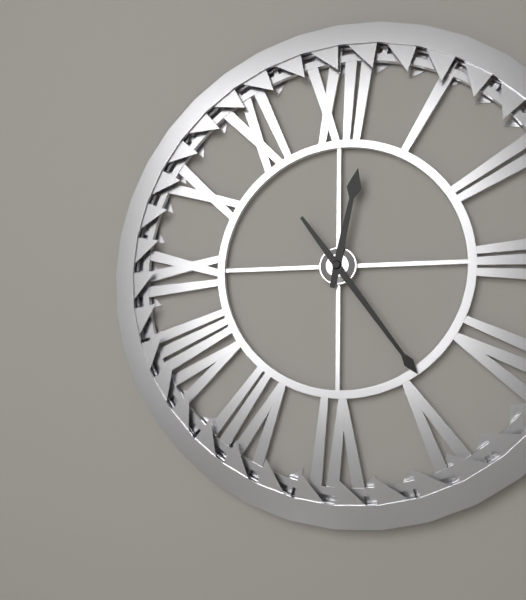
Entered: {"hour": 12, "minute": 24}
